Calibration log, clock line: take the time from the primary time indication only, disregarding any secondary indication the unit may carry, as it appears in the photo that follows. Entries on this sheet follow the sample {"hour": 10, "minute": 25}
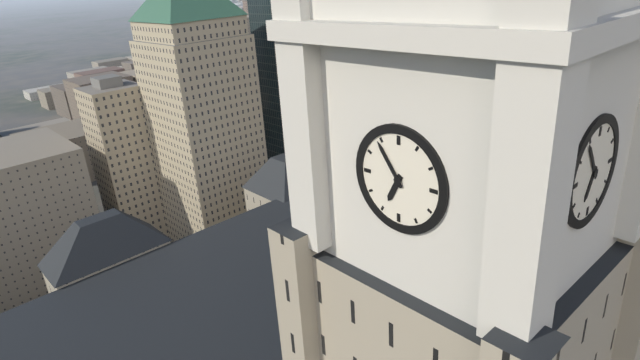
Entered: {"hour": 6, "minute": 54}
